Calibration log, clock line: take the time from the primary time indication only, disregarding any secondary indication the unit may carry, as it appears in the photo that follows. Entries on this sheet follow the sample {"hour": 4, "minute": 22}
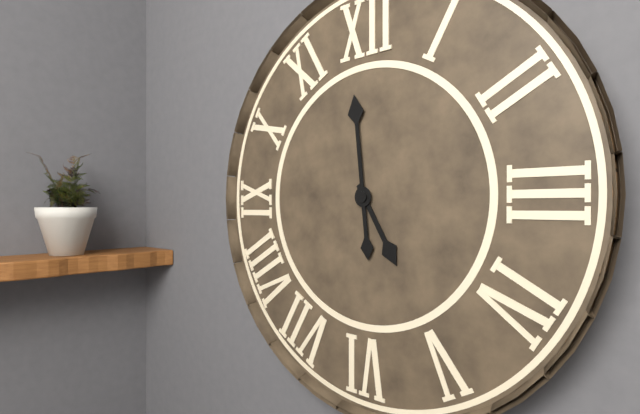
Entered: {"hour": 4, "minute": 59}
